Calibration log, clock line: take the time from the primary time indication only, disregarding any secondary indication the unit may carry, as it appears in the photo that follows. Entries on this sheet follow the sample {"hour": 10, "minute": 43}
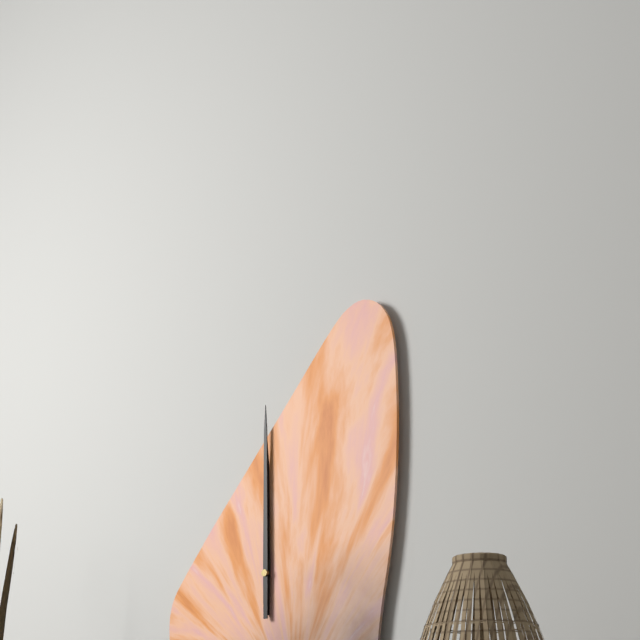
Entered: {"hour": 12, "minute": 0}
